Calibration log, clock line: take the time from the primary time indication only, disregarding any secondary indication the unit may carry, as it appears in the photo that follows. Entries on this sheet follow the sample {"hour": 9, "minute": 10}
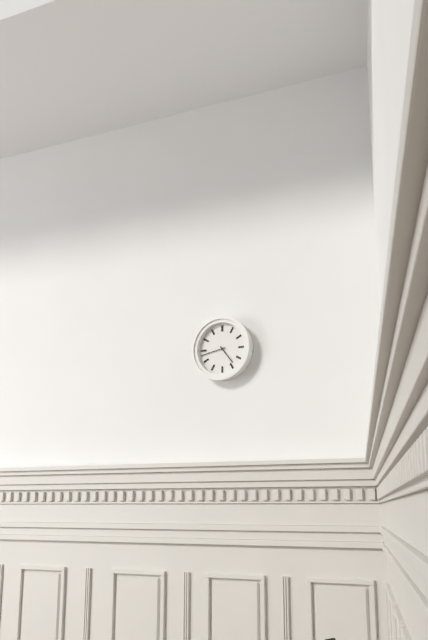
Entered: {"hour": 4, "minute": 43}
